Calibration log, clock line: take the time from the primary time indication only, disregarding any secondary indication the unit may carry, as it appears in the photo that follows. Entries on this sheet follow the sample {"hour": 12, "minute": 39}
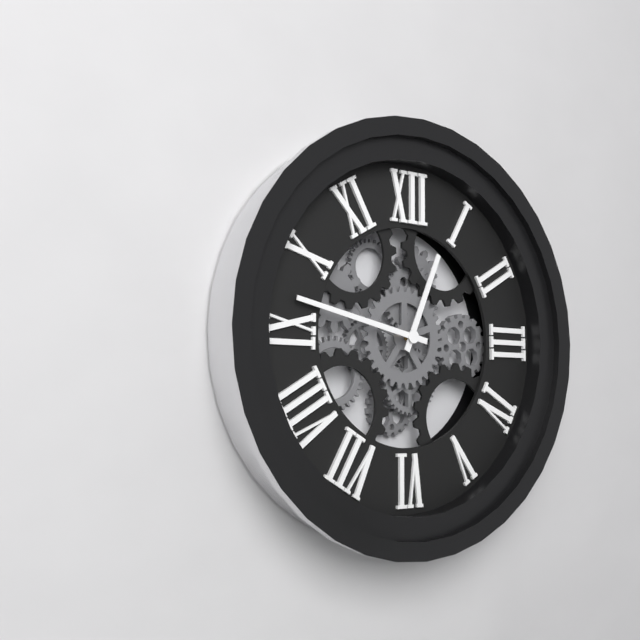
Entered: {"hour": 12, "minute": 47}
